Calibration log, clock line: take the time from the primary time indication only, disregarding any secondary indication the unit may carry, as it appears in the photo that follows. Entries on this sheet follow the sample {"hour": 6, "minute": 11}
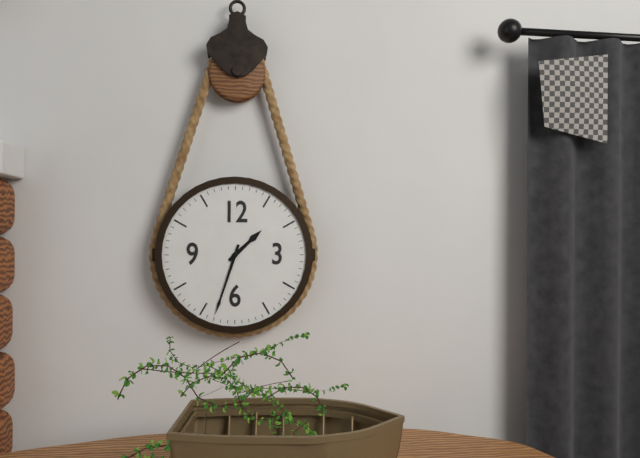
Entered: {"hour": 1, "minute": 33}
